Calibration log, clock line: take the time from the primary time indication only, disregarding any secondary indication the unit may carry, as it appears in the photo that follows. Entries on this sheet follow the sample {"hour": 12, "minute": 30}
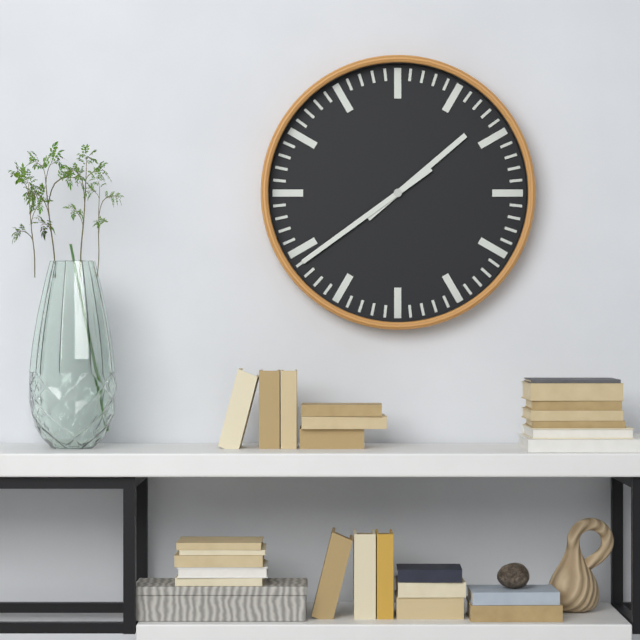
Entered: {"hour": 1, "minute": 39}
